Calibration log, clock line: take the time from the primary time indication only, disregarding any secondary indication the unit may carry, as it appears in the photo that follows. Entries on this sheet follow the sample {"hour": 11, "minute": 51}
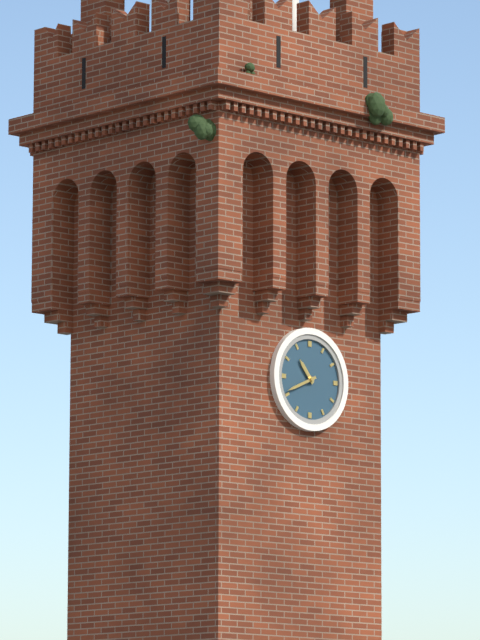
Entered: {"hour": 10, "minute": 41}
